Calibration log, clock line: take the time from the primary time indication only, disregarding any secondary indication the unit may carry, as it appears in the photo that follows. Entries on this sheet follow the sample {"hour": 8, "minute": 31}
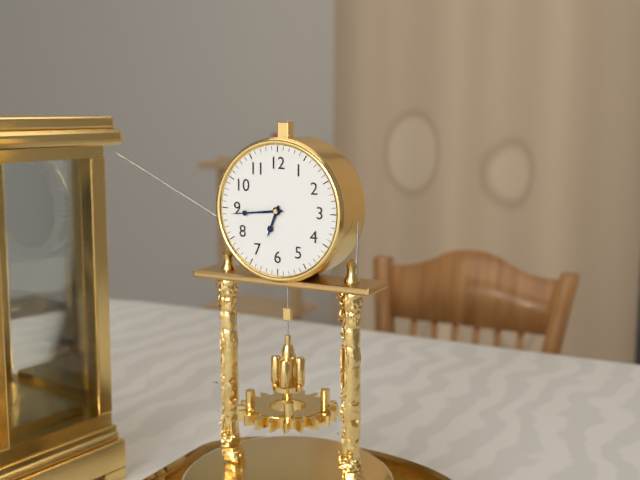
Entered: {"hour": 6, "minute": 44}
